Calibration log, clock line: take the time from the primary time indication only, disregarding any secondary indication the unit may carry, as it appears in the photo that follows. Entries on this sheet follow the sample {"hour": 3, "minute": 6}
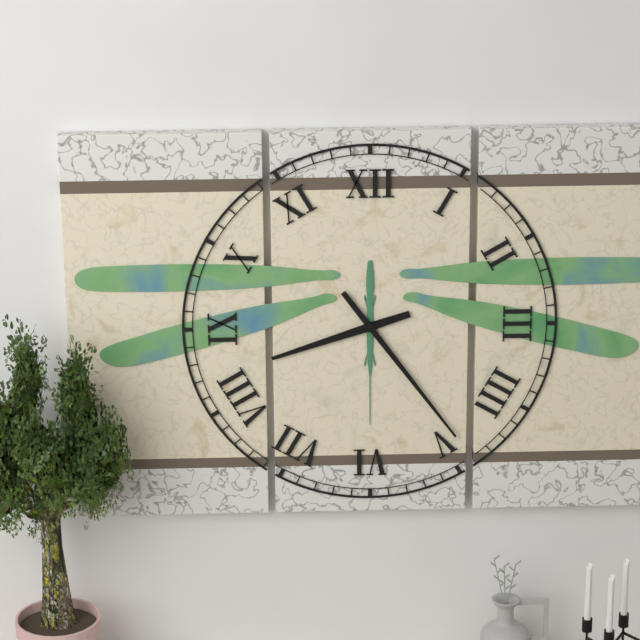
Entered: {"hour": 8, "minute": 24}
